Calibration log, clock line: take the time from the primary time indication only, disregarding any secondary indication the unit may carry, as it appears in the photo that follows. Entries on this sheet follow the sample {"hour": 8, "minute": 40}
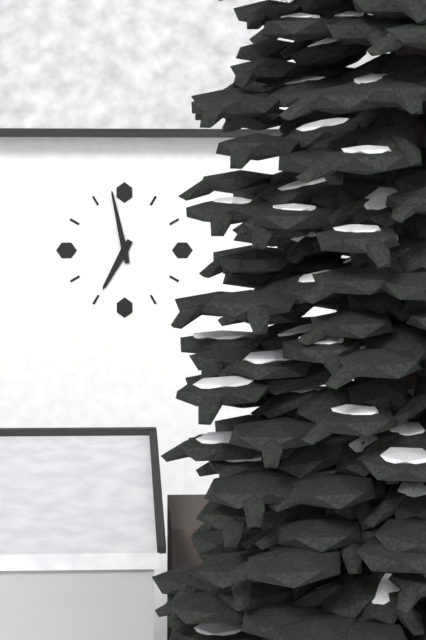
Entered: {"hour": 6, "minute": 58}
